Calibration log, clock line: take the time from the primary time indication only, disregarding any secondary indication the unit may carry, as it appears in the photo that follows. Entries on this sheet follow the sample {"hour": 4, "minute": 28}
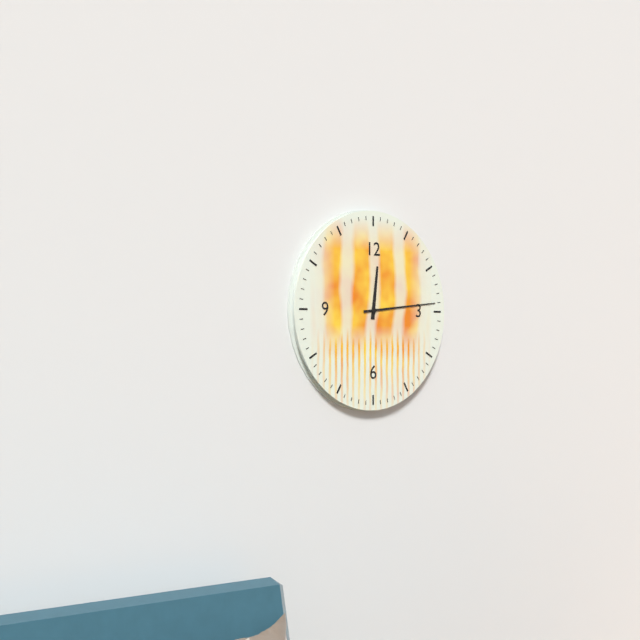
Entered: {"hour": 12, "minute": 14}
